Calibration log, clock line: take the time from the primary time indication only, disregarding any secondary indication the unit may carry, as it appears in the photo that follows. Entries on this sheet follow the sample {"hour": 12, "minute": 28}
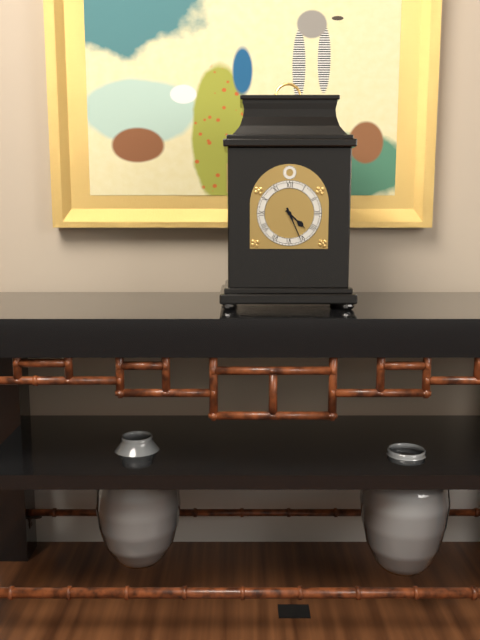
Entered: {"hour": 4, "minute": 26}
